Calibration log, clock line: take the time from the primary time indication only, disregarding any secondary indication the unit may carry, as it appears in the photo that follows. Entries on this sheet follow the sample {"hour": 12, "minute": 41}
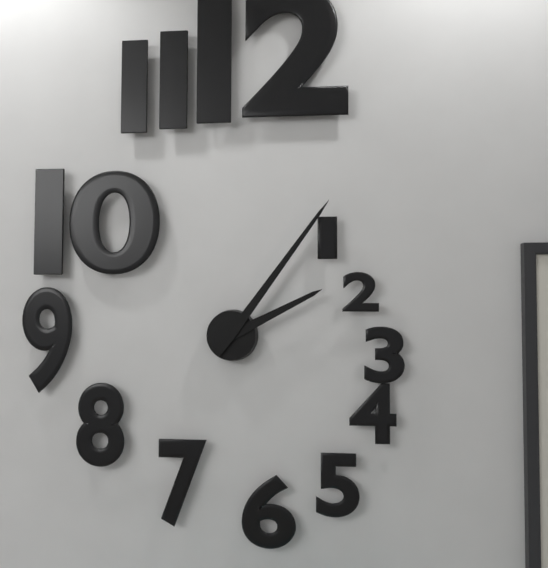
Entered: {"hour": 2, "minute": 6}
